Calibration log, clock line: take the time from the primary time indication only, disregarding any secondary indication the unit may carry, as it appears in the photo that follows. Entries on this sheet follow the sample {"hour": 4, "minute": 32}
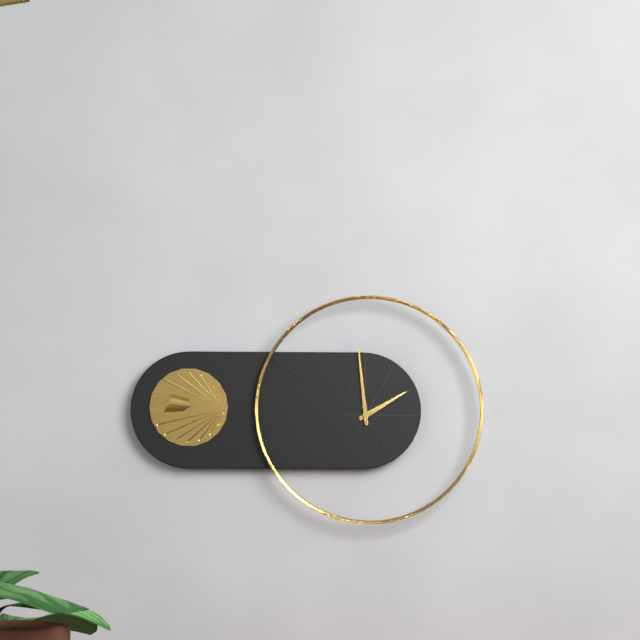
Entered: {"hour": 1, "minute": 59}
